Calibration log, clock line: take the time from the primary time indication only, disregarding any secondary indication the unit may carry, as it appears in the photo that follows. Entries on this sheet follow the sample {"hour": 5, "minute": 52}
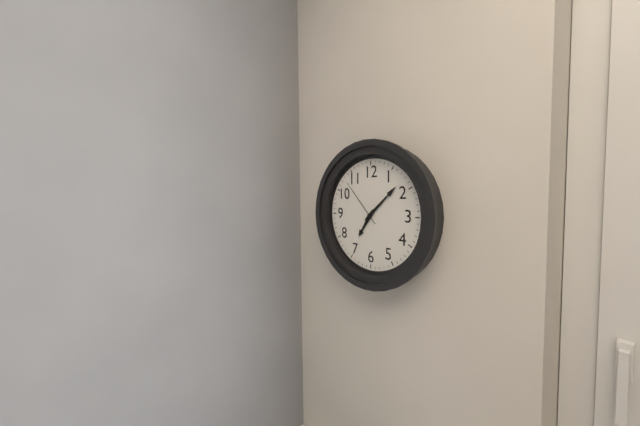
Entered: {"hour": 7, "minute": 8}
